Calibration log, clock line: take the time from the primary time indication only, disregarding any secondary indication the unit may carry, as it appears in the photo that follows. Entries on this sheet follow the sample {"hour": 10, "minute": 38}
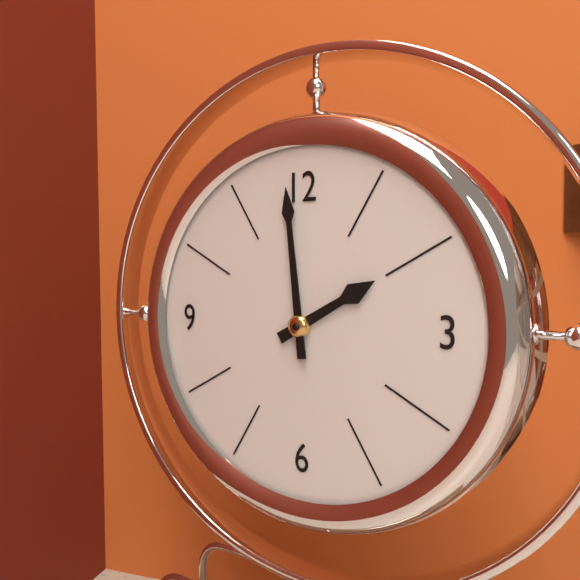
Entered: {"hour": 1, "minute": 59}
